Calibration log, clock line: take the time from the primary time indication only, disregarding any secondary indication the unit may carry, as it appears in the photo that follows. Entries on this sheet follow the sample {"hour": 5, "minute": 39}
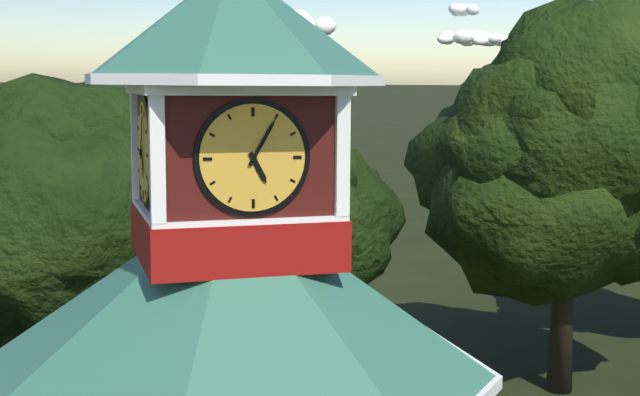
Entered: {"hour": 5, "minute": 5}
